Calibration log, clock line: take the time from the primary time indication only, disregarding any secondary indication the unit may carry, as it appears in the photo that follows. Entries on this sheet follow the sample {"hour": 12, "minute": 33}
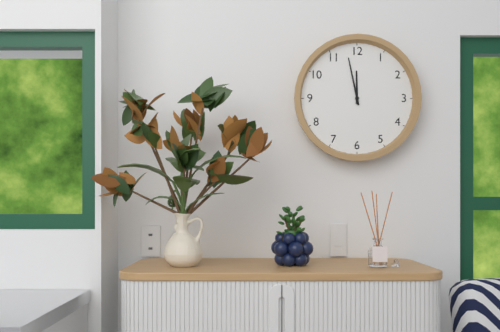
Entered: {"hour": 11, "minute": 58}
